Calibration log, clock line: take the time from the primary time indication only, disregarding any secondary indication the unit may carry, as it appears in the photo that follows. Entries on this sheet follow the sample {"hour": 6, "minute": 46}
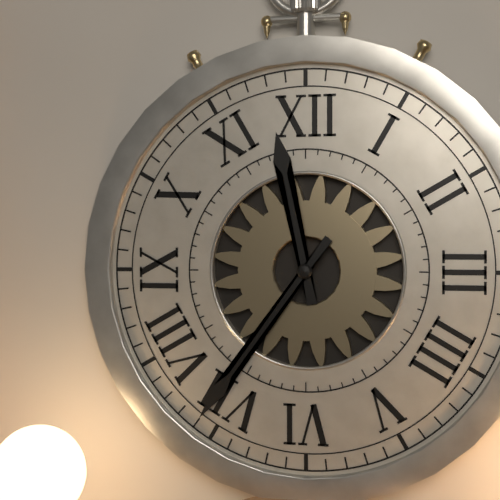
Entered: {"hour": 11, "minute": 36}
